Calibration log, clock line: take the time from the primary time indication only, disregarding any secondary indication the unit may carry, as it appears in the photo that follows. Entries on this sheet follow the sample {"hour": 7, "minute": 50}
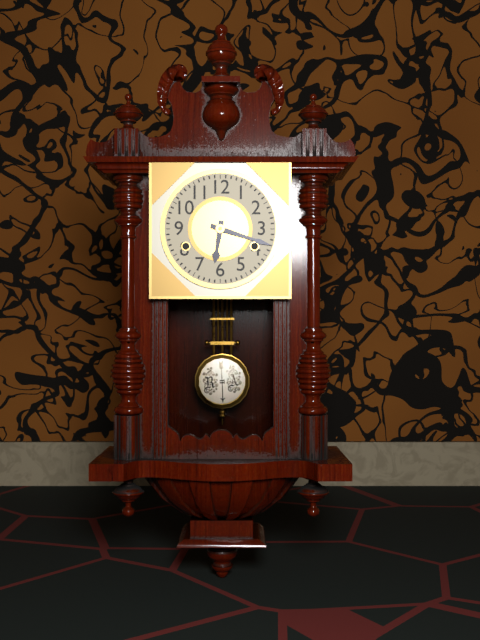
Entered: {"hour": 6, "minute": 18}
